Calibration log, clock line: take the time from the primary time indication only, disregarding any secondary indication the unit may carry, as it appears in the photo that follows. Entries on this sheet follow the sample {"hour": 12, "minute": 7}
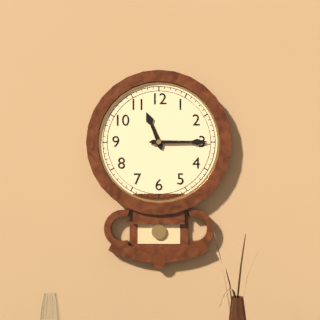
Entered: {"hour": 11, "minute": 15}
